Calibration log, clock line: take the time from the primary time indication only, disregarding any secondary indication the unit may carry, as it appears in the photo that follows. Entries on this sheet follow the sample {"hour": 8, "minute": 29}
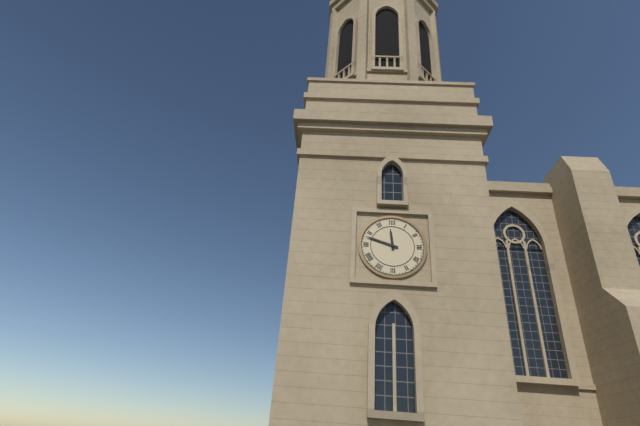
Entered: {"hour": 11, "minute": 48}
